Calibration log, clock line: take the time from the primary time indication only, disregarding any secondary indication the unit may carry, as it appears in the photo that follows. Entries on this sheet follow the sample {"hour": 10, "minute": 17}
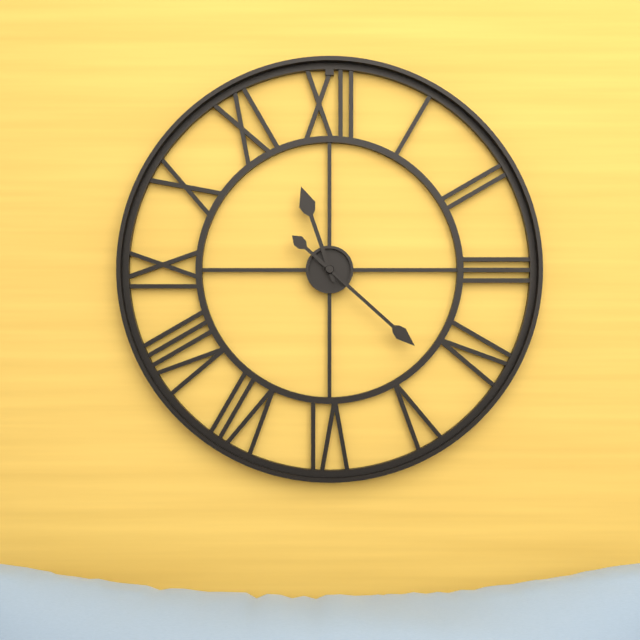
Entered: {"hour": 11, "minute": 22}
